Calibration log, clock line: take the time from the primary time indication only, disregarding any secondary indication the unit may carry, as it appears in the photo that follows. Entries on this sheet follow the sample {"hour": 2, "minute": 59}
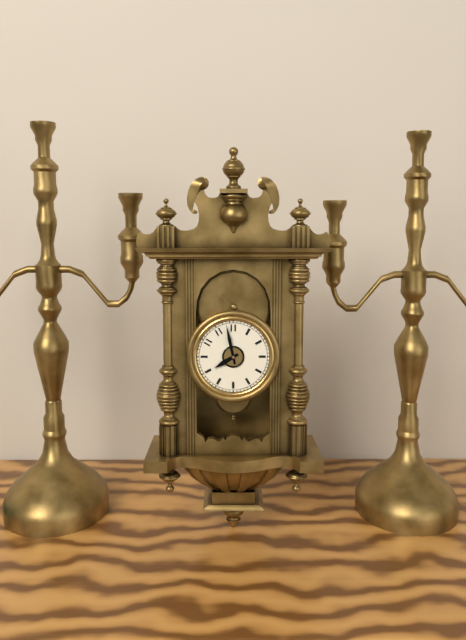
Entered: {"hour": 7, "minute": 58}
